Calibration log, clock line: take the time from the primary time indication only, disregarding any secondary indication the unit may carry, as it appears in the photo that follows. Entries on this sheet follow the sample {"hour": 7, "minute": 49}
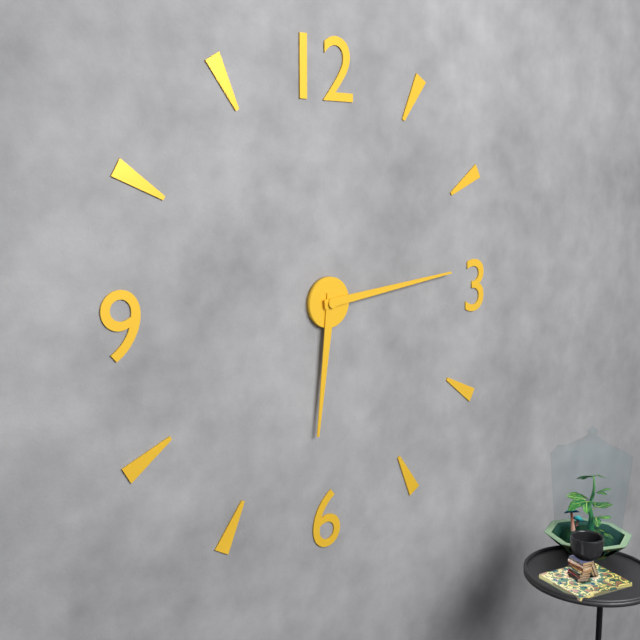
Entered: {"hour": 6, "minute": 14}
